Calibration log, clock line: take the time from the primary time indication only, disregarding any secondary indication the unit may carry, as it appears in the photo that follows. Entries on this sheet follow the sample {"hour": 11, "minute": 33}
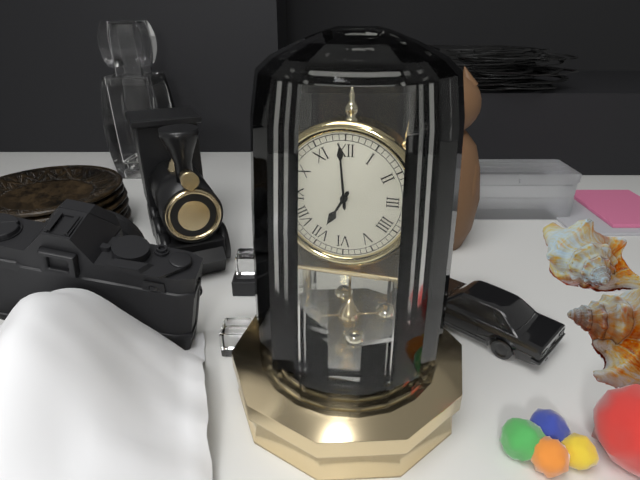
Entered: {"hour": 6, "minute": 59}
